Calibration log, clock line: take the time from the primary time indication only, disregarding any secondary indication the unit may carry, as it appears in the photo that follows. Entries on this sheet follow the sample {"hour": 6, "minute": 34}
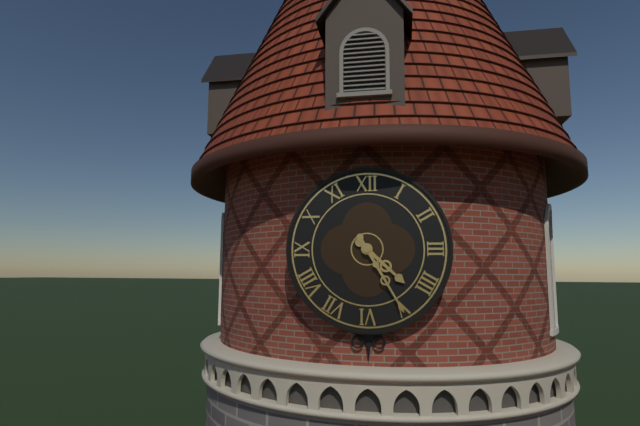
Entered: {"hour": 4, "minute": 25}
